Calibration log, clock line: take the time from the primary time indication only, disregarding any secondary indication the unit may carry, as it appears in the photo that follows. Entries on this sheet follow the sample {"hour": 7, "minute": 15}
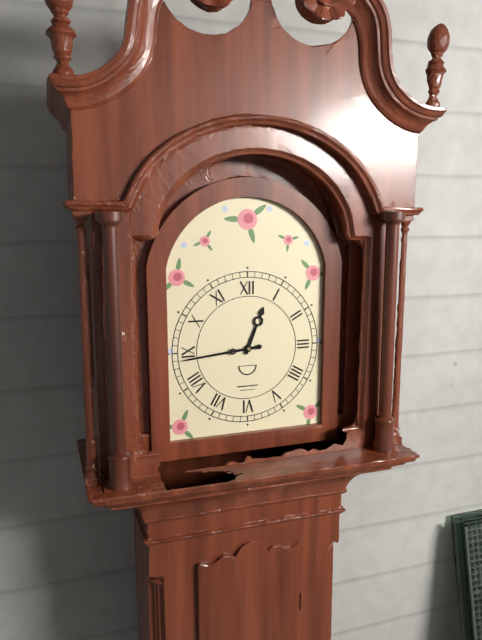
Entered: {"hour": 12, "minute": 44}
